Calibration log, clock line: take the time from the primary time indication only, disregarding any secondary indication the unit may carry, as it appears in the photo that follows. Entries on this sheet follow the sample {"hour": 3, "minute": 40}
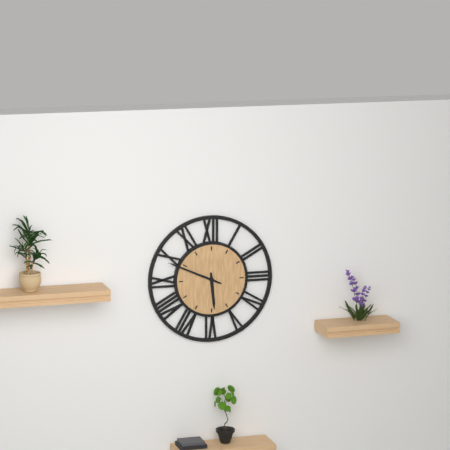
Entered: {"hour": 5, "minute": 49}
